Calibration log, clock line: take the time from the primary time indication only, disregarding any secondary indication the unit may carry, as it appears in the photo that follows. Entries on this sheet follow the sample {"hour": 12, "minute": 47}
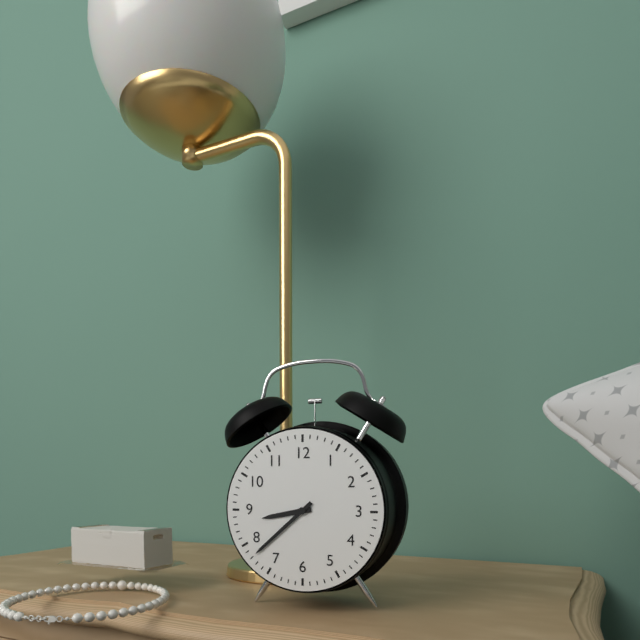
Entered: {"hour": 8, "minute": 38}
